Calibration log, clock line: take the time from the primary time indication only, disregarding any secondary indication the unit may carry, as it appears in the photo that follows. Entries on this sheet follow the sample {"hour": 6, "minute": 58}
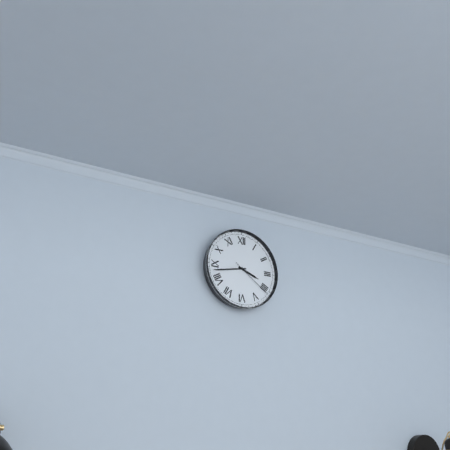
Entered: {"hour": 3, "minute": 43}
